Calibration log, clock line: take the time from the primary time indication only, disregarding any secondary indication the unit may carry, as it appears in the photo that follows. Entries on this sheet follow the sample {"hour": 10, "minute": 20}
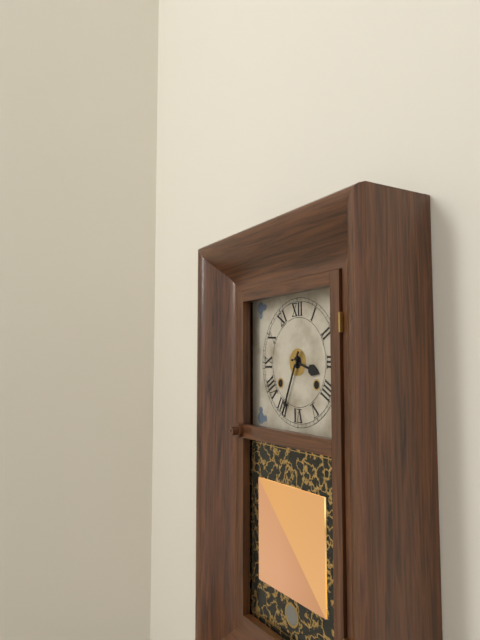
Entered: {"hour": 3, "minute": 34}
